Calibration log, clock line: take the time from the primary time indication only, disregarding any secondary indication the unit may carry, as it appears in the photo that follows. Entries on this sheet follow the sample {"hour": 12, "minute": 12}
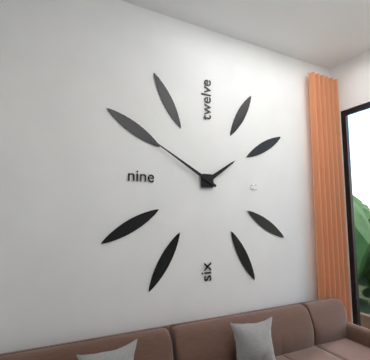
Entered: {"hour": 1, "minute": 50}
